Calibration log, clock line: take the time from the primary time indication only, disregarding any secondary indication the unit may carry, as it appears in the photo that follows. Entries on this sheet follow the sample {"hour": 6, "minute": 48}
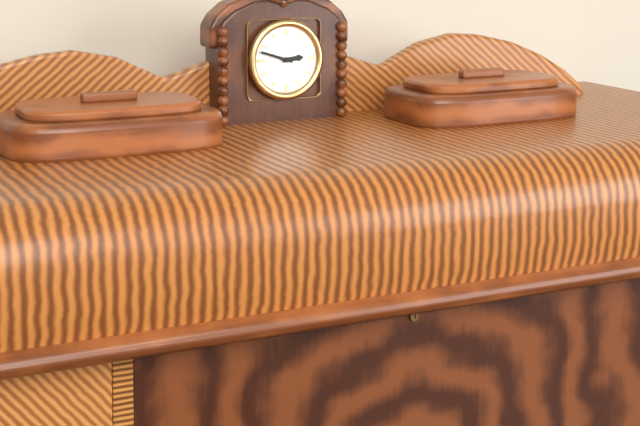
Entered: {"hour": 2, "minute": 48}
